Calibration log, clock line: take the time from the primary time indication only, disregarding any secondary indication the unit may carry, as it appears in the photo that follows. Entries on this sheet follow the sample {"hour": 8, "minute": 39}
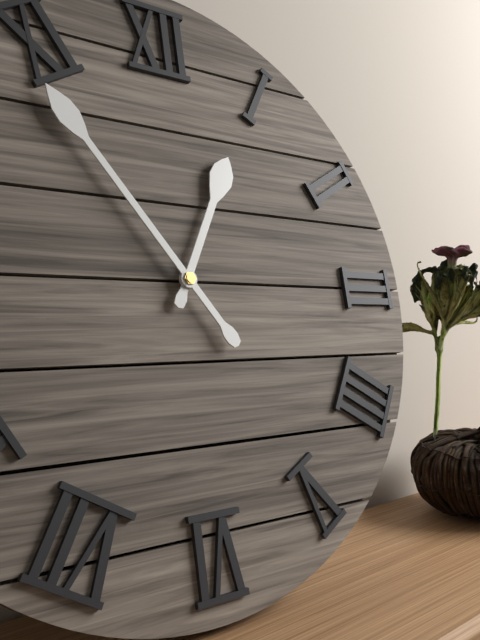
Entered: {"hour": 12, "minute": 54}
